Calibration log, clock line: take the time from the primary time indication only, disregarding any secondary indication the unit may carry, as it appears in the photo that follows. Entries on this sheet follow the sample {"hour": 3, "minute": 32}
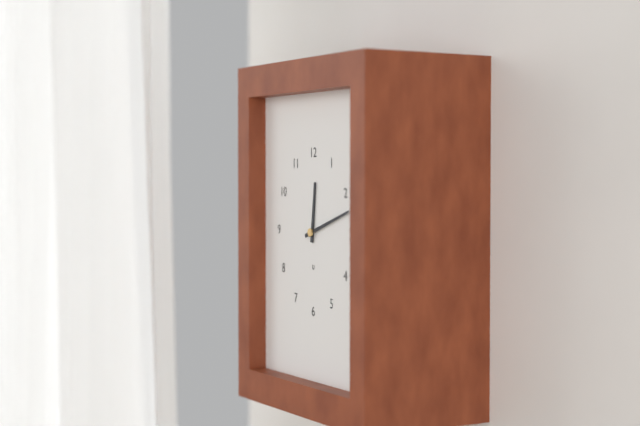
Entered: {"hour": 12, "minute": 12}
